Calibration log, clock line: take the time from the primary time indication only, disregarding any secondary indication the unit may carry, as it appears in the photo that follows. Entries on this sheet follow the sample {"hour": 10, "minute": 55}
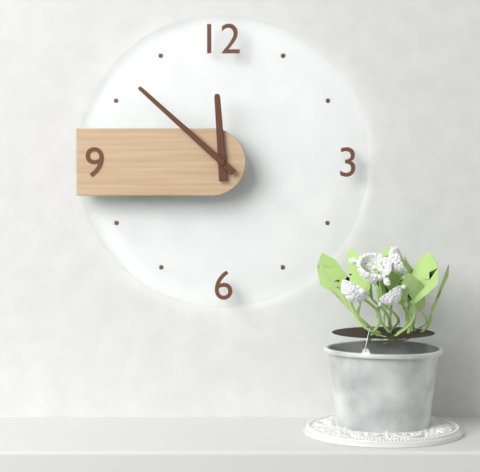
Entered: {"hour": 11, "minute": 52}
